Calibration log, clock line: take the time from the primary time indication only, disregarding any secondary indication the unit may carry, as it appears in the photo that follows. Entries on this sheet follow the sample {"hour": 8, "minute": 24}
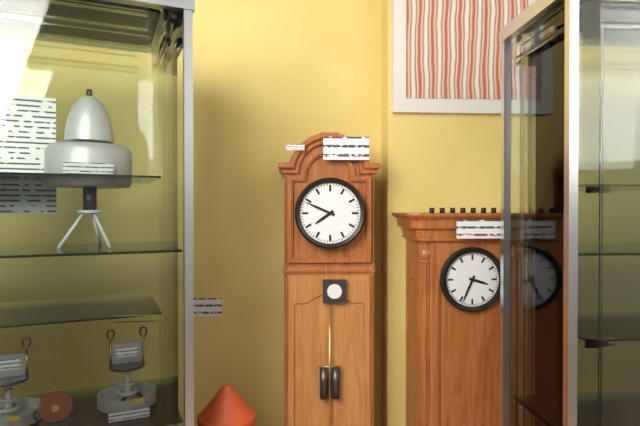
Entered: {"hour": 7, "minute": 49}
